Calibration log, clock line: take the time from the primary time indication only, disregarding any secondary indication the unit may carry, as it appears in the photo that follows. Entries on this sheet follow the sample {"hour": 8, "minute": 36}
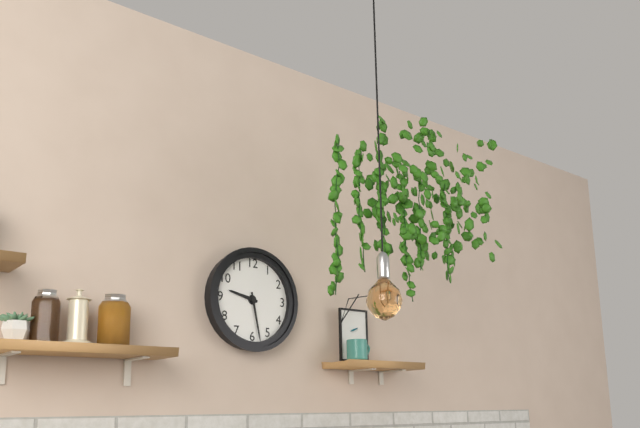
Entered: {"hour": 9, "minute": 28}
